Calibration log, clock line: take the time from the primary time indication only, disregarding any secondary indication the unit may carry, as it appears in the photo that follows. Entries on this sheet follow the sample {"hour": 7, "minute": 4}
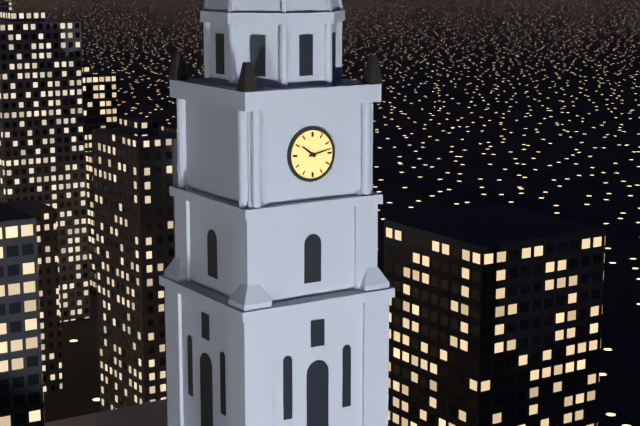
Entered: {"hour": 10, "minute": 13}
